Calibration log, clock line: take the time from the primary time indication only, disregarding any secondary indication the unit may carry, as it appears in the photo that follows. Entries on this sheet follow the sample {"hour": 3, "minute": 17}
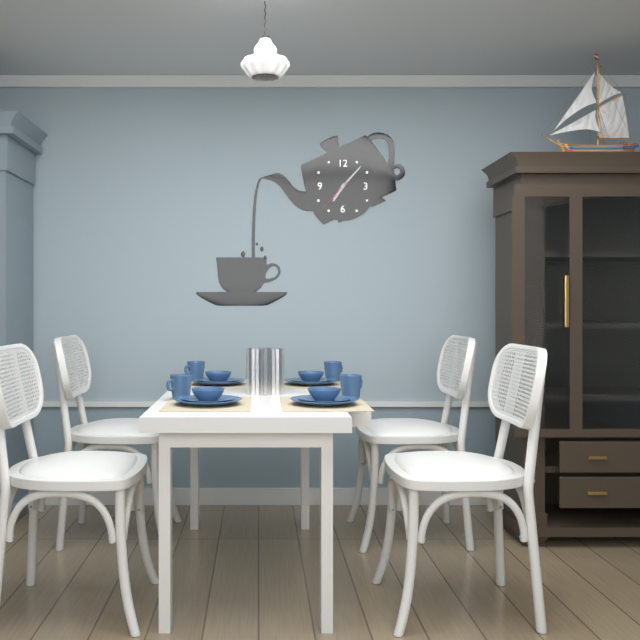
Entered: {"hour": 7, "minute": 7}
